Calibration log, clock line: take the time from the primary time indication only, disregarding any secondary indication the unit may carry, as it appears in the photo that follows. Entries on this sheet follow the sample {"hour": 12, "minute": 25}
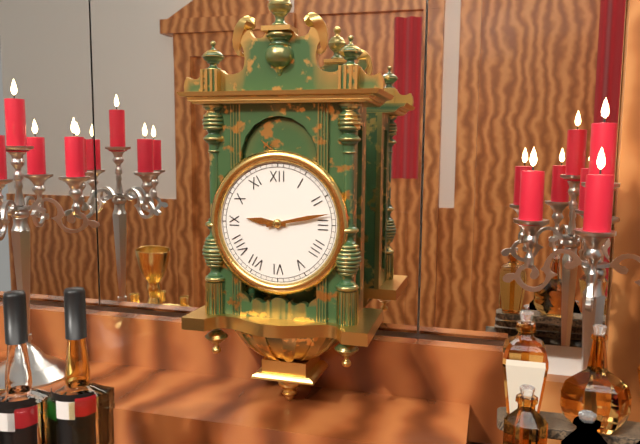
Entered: {"hour": 9, "minute": 13}
